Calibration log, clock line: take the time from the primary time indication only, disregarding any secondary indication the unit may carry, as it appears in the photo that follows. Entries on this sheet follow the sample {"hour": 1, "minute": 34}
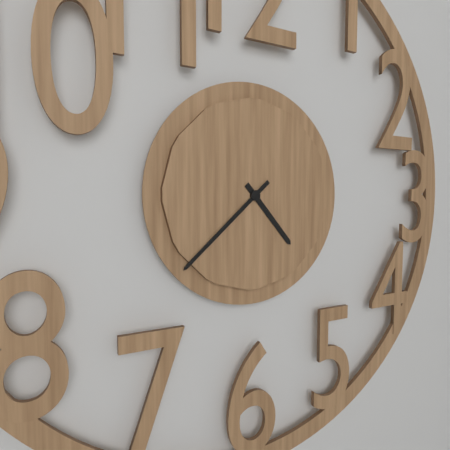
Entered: {"hour": 4, "minute": 38}
